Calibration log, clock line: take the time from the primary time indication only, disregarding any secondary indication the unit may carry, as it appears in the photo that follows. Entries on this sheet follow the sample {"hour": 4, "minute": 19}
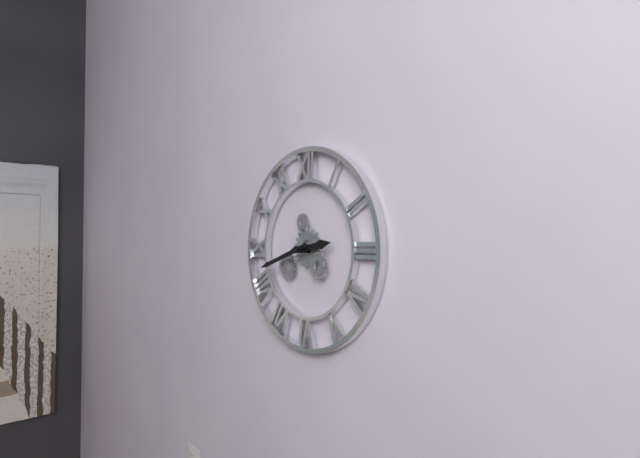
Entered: {"hour": 2, "minute": 42}
